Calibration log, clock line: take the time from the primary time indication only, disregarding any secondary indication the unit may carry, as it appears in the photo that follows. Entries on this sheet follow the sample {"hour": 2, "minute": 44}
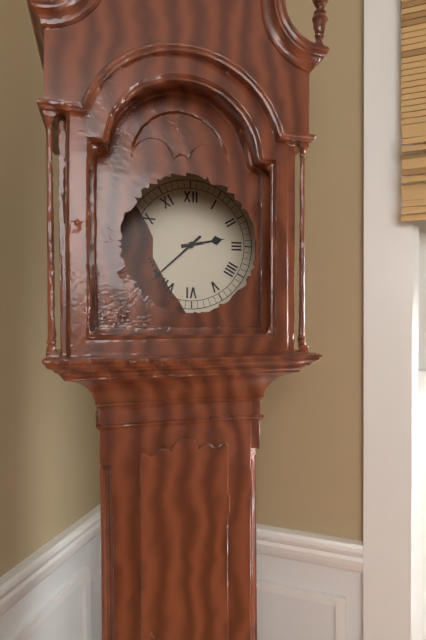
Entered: {"hour": 2, "minute": 38}
